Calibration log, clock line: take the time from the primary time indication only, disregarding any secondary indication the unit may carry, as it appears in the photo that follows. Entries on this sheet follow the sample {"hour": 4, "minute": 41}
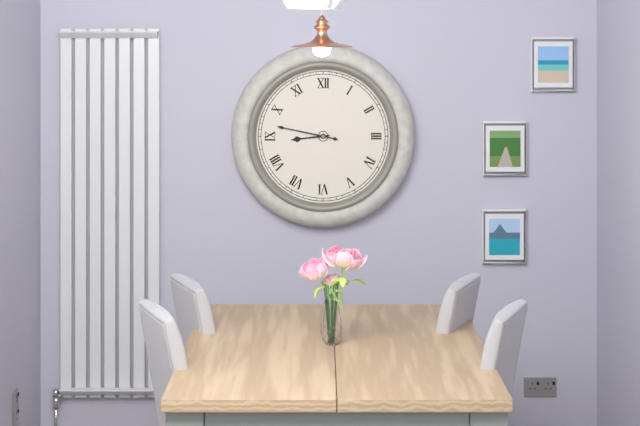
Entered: {"hour": 8, "minute": 47}
